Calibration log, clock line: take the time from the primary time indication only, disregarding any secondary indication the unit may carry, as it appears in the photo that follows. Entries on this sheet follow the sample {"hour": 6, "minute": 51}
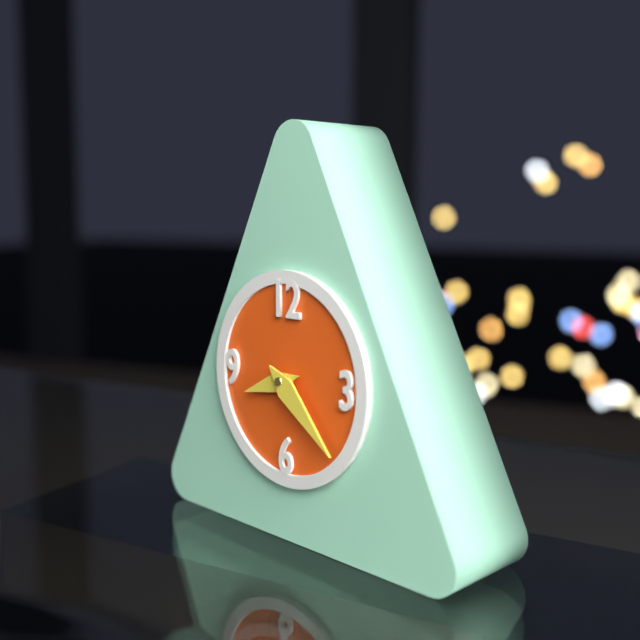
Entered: {"hour": 8, "minute": 22}
